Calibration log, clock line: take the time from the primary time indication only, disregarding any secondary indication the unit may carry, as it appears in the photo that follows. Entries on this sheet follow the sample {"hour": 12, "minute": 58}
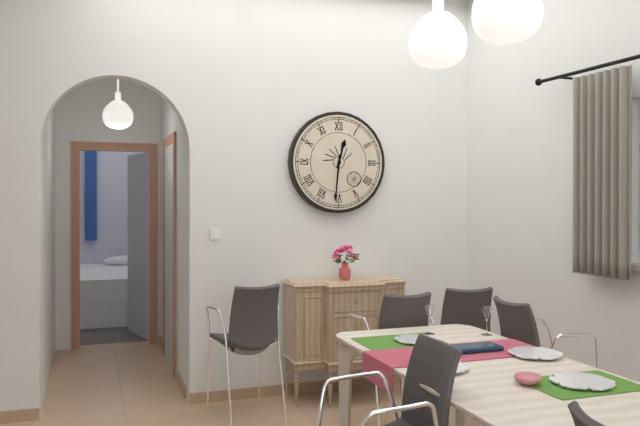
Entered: {"hour": 12, "minute": 31}
